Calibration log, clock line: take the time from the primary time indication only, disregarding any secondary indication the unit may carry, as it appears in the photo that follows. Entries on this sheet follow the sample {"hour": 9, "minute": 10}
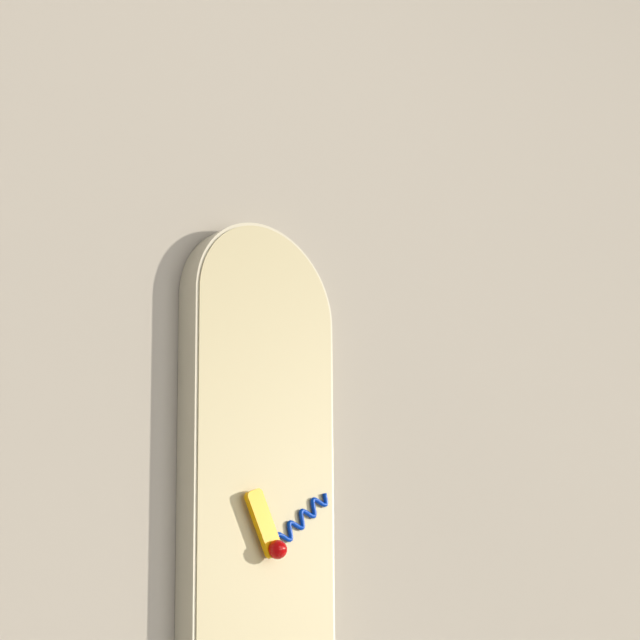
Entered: {"hour": 11, "minute": 8}
